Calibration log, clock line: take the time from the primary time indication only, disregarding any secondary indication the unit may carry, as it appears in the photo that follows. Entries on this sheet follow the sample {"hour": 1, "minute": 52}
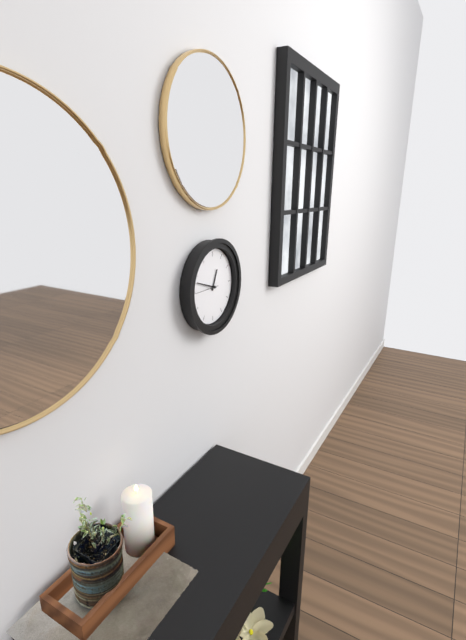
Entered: {"hour": 12, "minute": 48}
